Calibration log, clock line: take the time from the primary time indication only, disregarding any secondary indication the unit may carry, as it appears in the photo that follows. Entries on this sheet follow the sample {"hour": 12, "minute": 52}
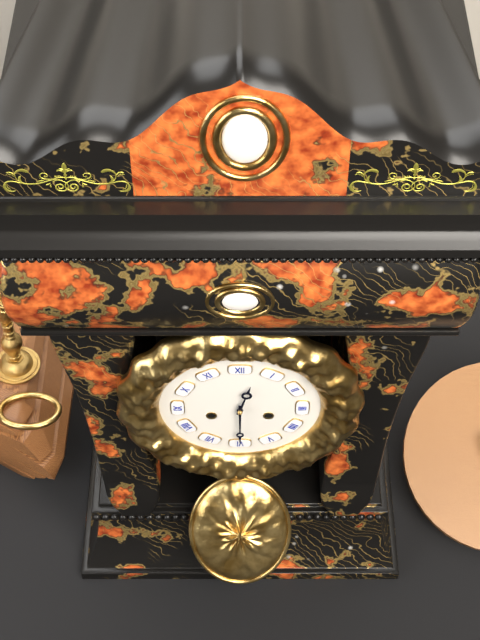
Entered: {"hour": 12, "minute": 30}
